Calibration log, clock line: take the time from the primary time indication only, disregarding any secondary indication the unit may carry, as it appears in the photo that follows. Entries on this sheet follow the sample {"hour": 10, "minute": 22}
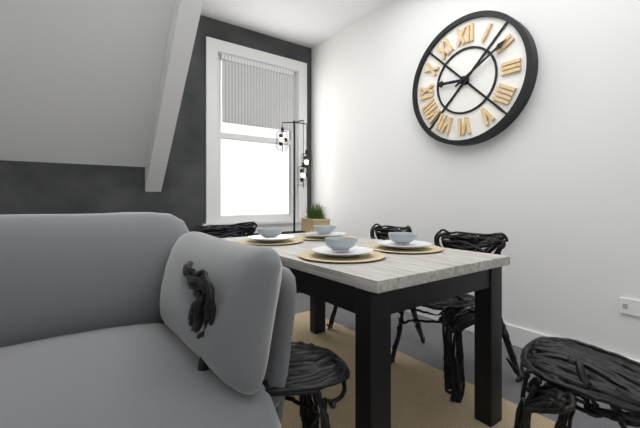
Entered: {"hour": 9, "minute": 10}
